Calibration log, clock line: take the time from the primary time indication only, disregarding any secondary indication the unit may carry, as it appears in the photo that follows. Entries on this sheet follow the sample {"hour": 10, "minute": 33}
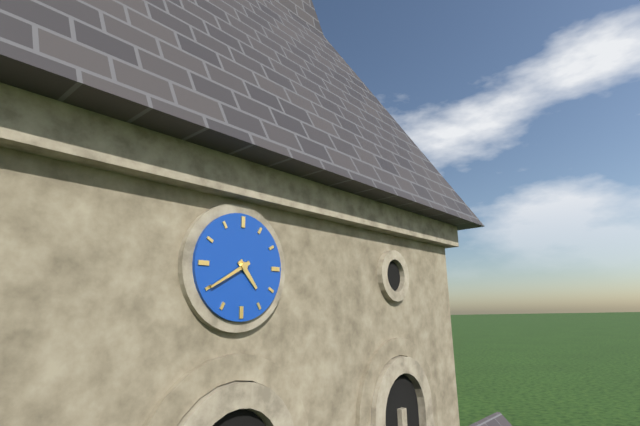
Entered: {"hour": 4, "minute": 40}
